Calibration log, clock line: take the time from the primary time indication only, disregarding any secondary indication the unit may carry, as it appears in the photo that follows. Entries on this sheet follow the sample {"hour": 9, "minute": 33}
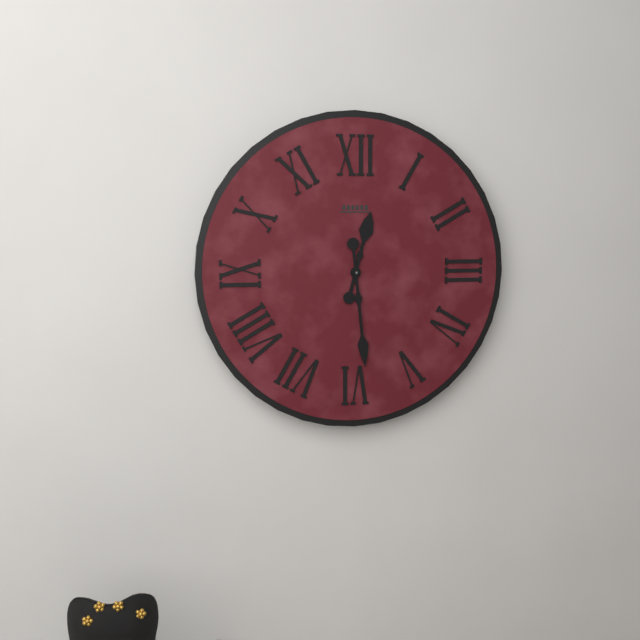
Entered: {"hour": 12, "minute": 29}
